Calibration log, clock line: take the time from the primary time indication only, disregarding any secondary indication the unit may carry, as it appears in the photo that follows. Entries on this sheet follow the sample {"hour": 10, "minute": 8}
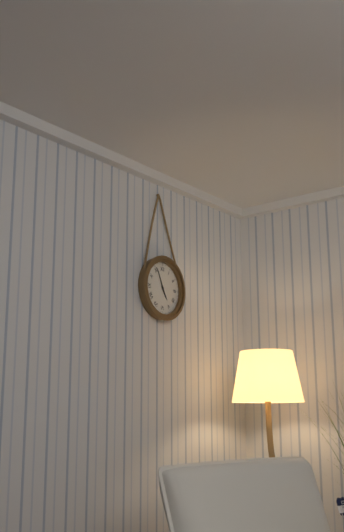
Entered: {"hour": 4, "minute": 56}
